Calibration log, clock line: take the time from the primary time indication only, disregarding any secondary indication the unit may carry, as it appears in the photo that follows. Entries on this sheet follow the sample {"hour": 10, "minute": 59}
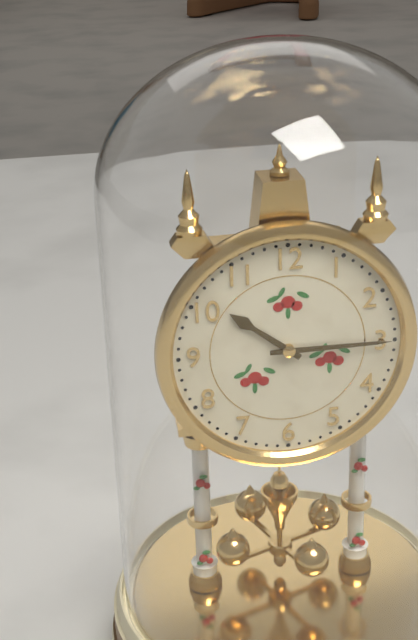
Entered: {"hour": 10, "minute": 15}
